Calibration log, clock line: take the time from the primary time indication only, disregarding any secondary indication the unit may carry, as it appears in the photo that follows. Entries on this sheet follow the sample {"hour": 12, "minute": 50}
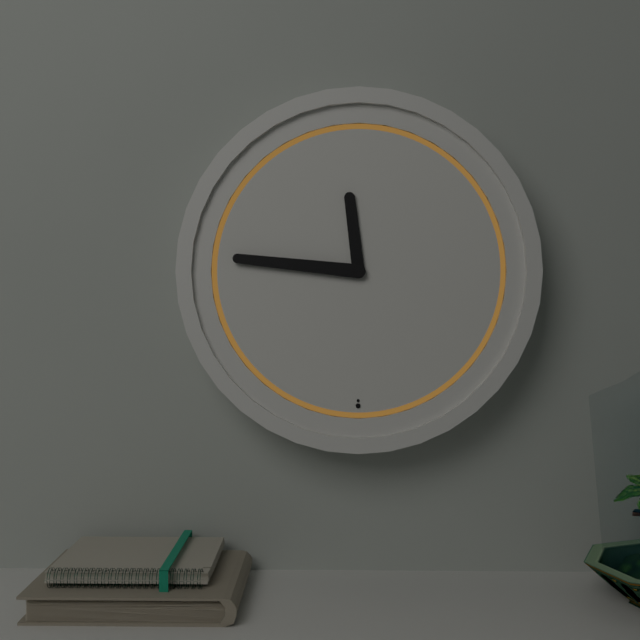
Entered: {"hour": 11, "minute": 46}
